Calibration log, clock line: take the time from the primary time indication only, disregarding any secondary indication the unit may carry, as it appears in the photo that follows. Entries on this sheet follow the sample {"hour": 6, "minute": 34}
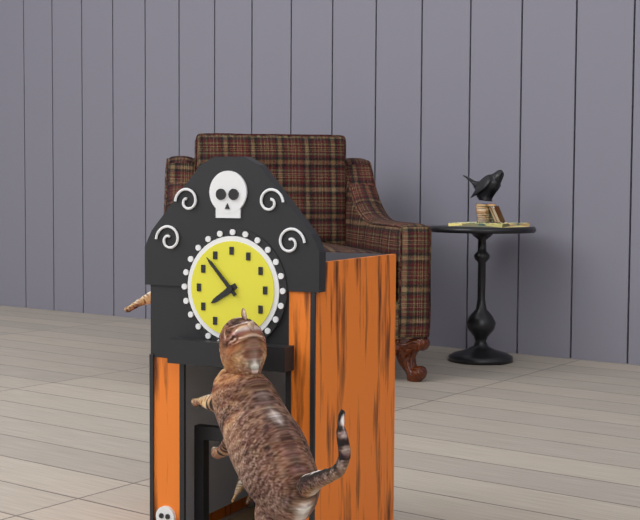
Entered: {"hour": 7, "minute": 53}
